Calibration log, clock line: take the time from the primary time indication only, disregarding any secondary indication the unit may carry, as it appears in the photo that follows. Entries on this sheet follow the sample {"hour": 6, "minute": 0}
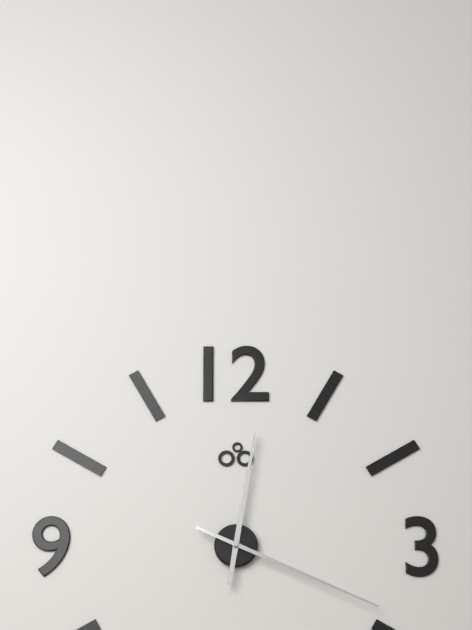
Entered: {"hour": 12, "minute": 19}
